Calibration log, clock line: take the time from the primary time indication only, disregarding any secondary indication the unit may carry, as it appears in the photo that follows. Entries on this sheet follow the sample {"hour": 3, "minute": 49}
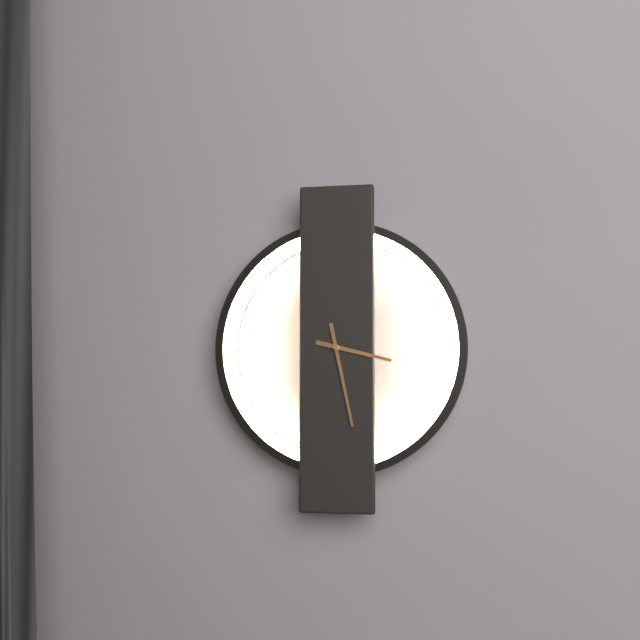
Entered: {"hour": 3, "minute": 28}
